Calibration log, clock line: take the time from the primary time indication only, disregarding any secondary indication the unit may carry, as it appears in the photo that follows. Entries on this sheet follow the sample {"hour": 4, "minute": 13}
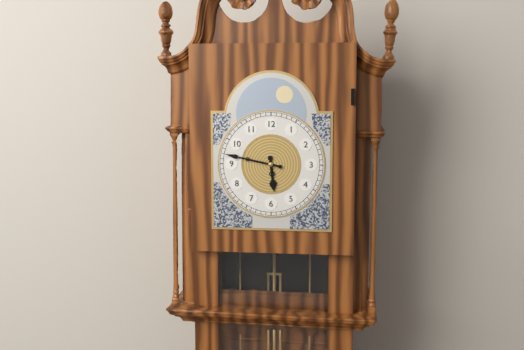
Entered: {"hour": 5, "minute": 47}
